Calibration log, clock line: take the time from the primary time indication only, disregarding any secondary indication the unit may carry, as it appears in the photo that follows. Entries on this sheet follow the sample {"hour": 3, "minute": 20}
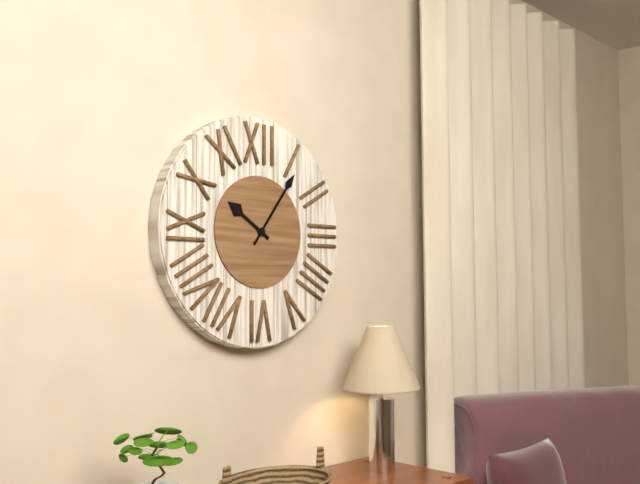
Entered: {"hour": 10, "minute": 6}
